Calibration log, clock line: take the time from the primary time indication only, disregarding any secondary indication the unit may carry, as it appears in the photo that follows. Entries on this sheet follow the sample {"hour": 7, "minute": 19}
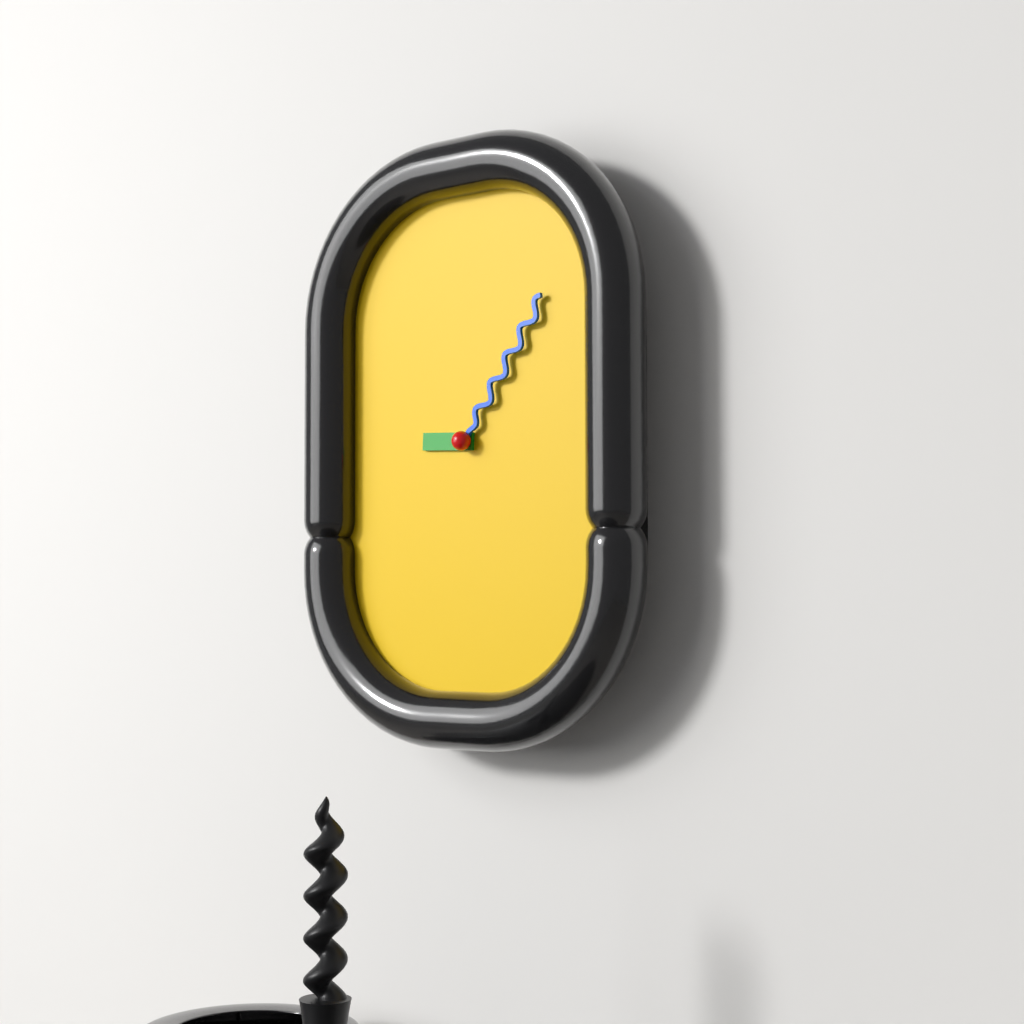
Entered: {"hour": 9, "minute": 6}
